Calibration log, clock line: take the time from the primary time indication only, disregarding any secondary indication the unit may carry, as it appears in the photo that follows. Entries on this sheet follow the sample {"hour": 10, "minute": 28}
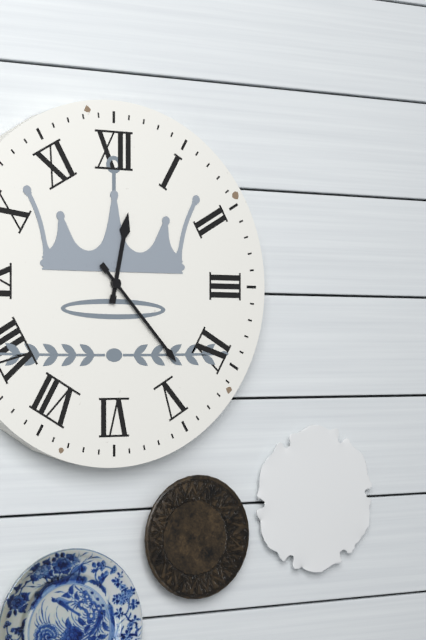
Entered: {"hour": 12, "minute": 23}
